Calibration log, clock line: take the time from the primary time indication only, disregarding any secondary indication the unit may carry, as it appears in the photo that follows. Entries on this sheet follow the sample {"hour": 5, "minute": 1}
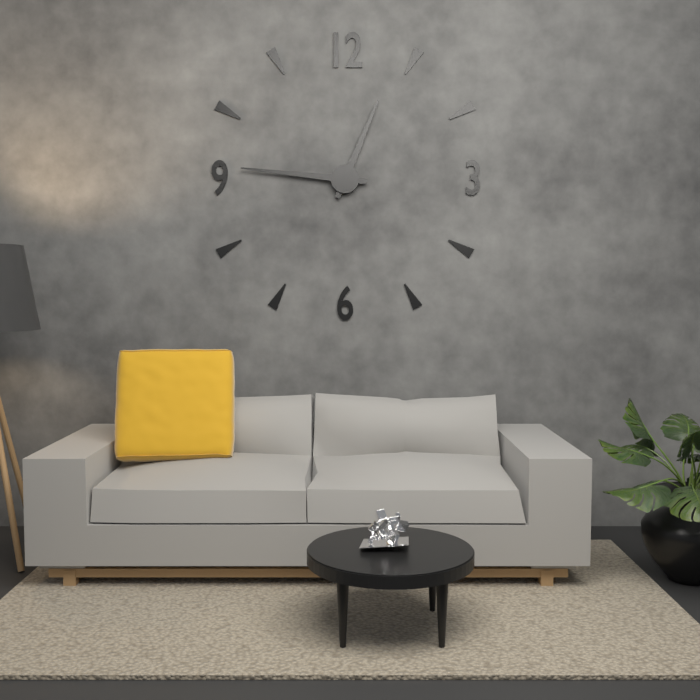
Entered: {"hour": 12, "minute": 46}
